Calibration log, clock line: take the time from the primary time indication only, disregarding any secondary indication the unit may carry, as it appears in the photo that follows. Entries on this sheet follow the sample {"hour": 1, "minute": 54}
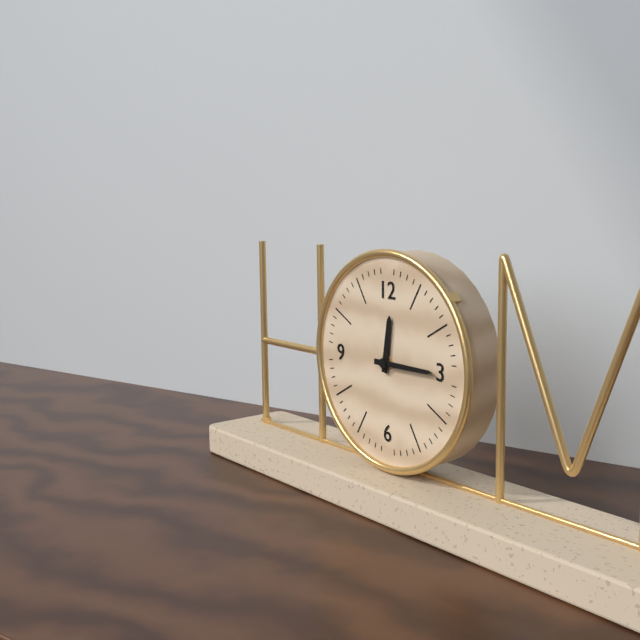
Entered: {"hour": 12, "minute": 15}
